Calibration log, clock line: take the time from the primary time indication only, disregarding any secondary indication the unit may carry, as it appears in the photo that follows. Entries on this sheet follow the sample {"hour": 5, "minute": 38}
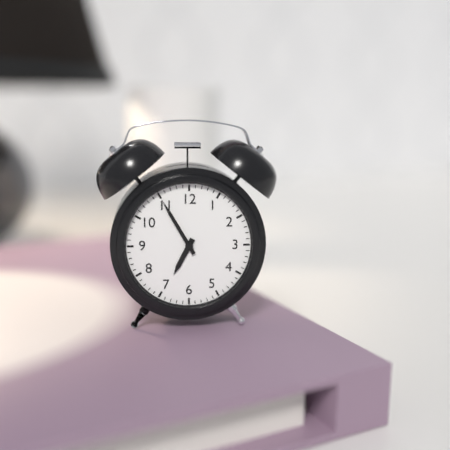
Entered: {"hour": 6, "minute": 55}
